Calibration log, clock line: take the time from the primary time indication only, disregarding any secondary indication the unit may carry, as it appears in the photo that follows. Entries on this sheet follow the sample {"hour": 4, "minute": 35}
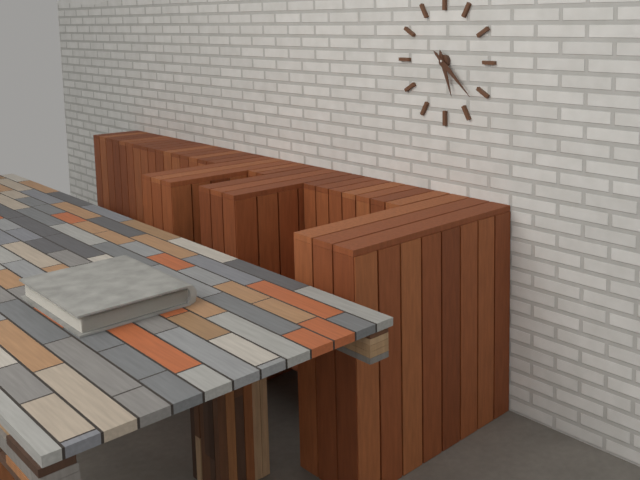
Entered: {"hour": 5, "minute": 22}
